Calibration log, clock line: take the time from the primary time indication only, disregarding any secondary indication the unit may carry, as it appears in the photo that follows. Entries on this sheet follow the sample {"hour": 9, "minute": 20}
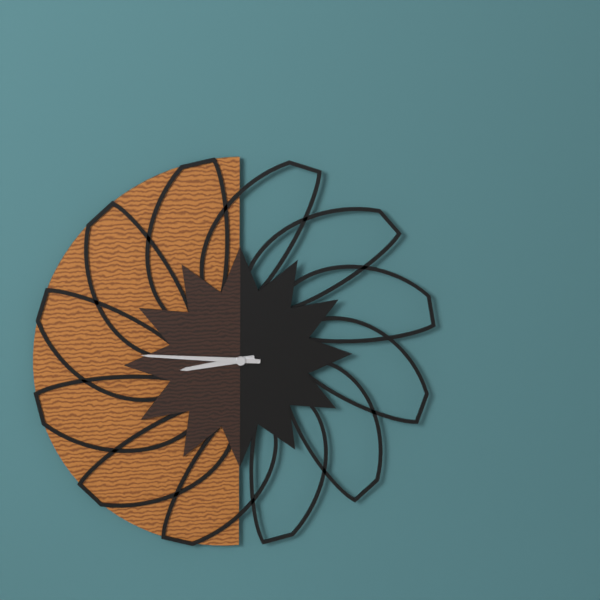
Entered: {"hour": 8, "minute": 46}
